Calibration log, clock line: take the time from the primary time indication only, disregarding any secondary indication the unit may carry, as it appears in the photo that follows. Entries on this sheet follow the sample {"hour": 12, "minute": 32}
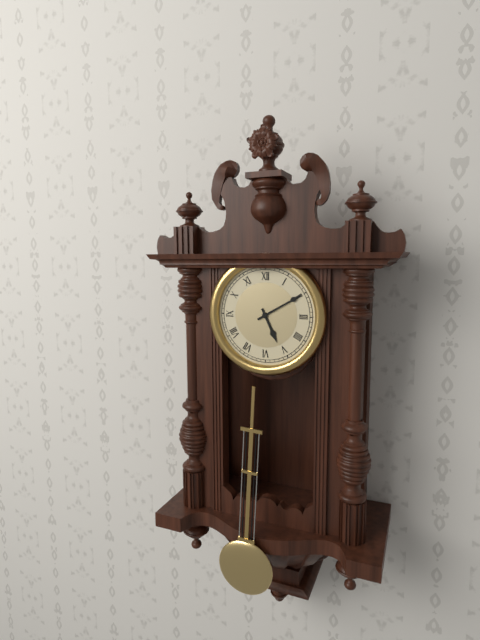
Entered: {"hour": 5, "minute": 10}
